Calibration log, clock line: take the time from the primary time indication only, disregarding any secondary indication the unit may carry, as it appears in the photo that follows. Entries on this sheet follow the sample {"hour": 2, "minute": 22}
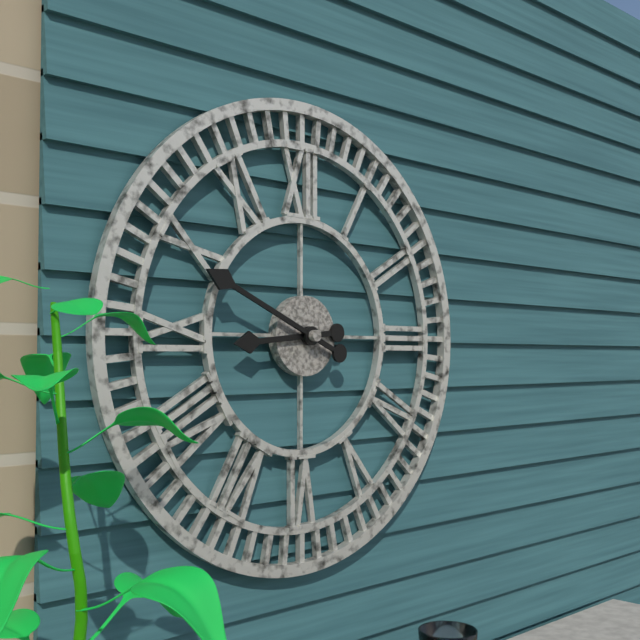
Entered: {"hour": 8, "minute": 49}
